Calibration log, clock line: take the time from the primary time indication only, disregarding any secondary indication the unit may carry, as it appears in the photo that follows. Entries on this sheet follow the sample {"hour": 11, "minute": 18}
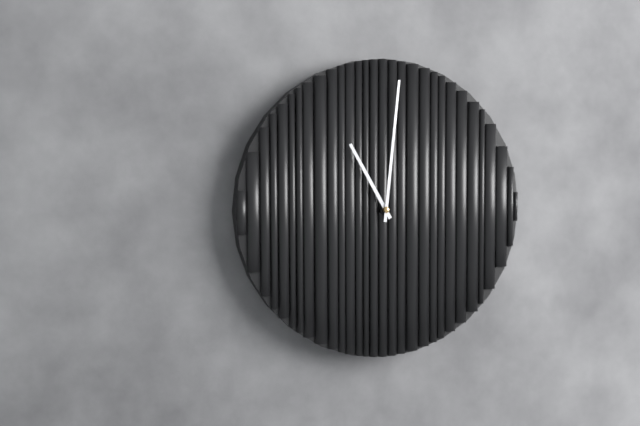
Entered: {"hour": 11, "minute": 1}
